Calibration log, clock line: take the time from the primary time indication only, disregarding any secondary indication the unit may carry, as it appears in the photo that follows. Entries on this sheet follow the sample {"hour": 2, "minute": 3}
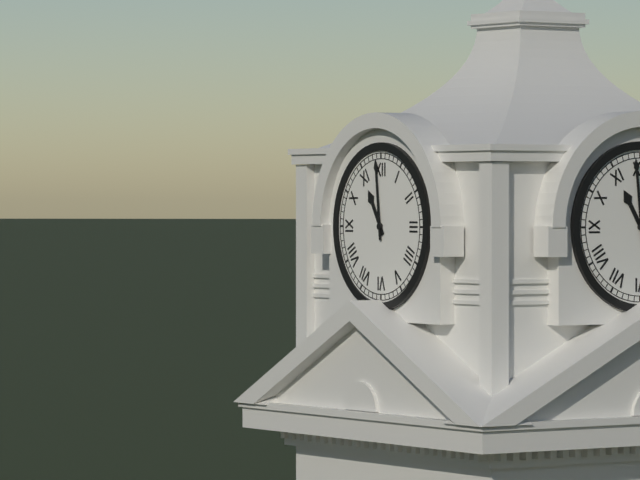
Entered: {"hour": 10, "minute": 59}
